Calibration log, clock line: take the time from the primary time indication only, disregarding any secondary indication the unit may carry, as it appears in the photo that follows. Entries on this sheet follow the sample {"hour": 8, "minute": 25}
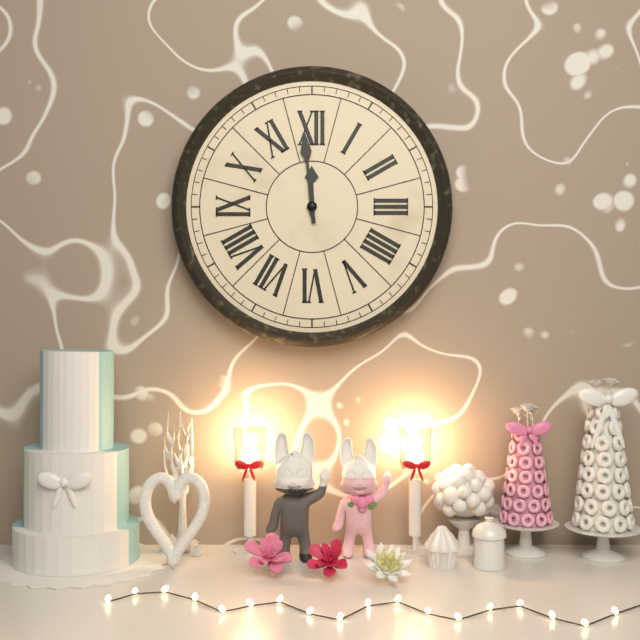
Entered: {"hour": 11, "minute": 59}
